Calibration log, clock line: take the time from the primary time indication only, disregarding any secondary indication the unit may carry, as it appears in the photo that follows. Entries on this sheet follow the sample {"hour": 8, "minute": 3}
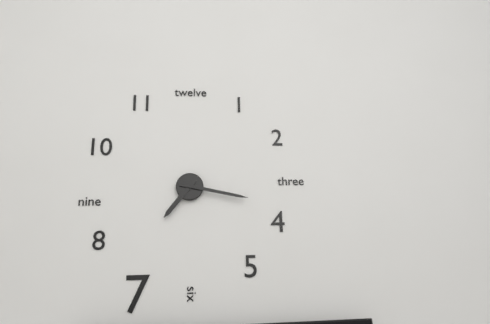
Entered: {"hour": 7, "minute": 17}
